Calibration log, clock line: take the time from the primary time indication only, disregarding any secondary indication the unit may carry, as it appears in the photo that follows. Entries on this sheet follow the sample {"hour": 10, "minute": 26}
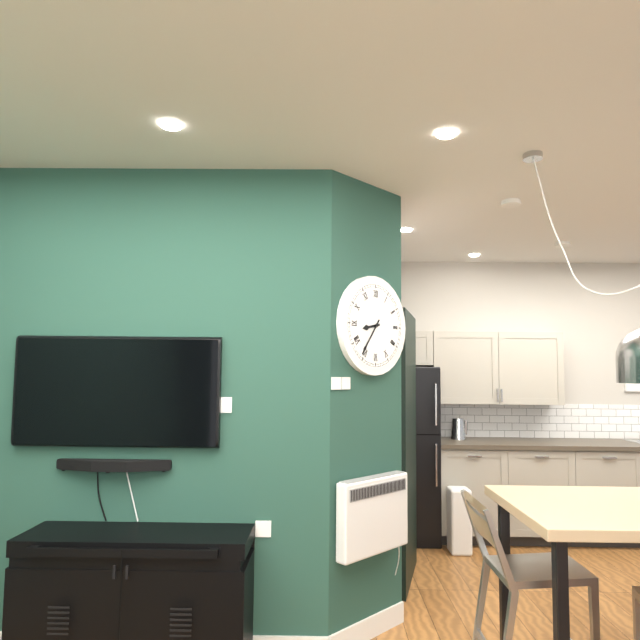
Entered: {"hour": 8, "minute": 36}
